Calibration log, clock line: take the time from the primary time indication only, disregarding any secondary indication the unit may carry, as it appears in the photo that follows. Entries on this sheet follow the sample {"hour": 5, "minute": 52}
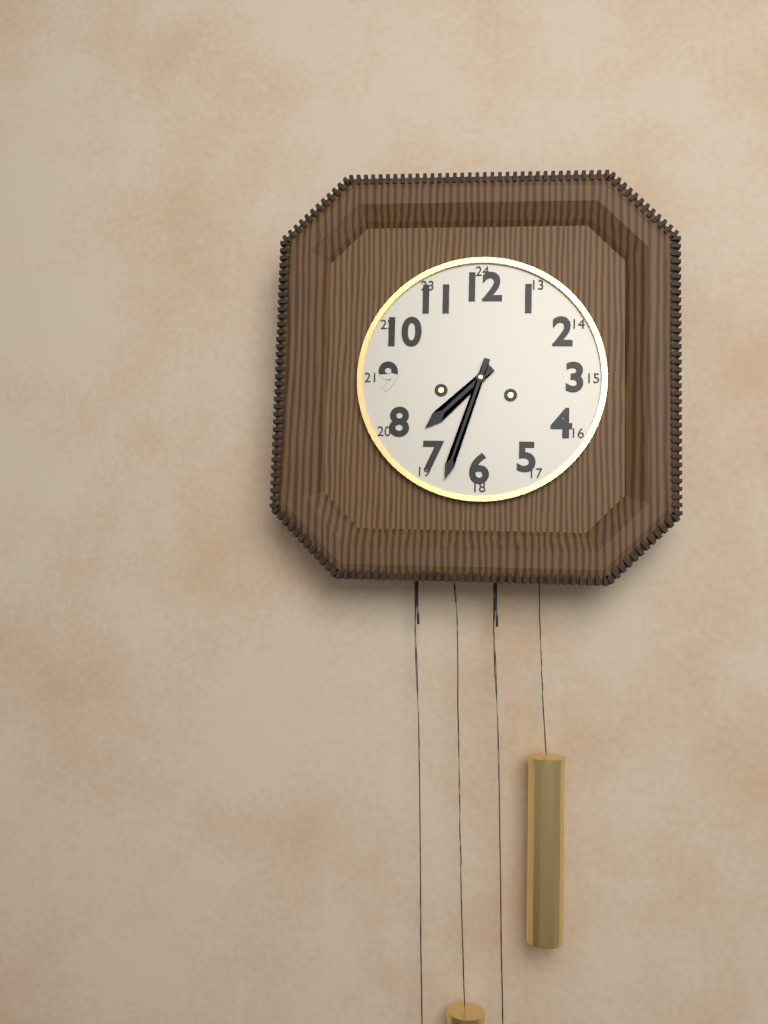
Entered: {"hour": 7, "minute": 33}
